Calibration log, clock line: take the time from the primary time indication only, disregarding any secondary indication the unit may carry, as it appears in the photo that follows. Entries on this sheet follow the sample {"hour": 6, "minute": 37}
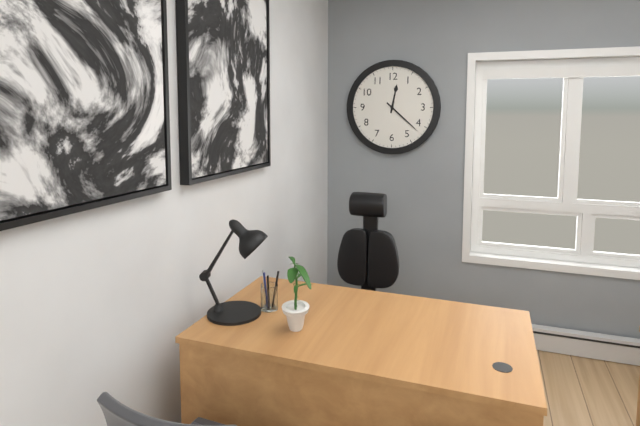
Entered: {"hour": 12, "minute": 22}
